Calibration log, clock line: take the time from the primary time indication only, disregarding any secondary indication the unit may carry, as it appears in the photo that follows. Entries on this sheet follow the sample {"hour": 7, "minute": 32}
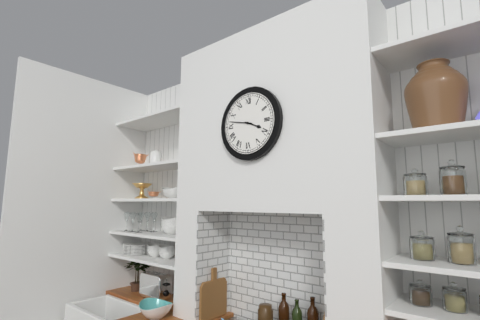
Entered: {"hour": 3, "minute": 47}
